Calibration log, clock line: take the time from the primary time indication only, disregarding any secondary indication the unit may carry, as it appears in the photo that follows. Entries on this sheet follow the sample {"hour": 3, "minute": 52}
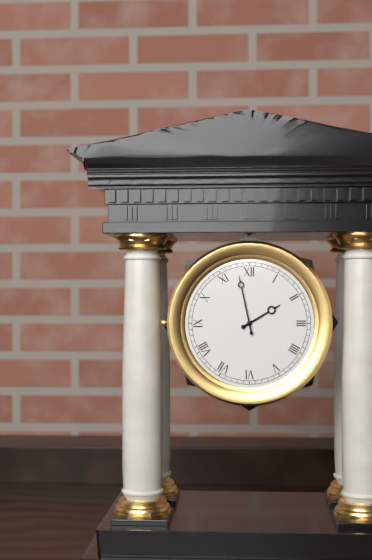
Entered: {"hour": 1, "minute": 58}
